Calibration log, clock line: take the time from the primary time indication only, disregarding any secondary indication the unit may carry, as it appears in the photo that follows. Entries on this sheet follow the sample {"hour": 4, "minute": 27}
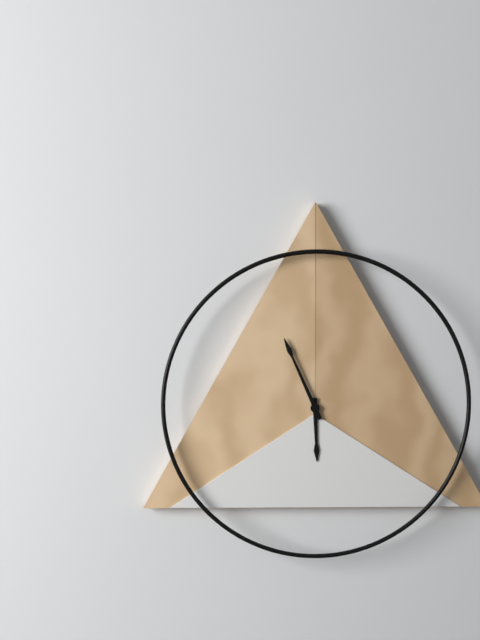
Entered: {"hour": 5, "minute": 56}
